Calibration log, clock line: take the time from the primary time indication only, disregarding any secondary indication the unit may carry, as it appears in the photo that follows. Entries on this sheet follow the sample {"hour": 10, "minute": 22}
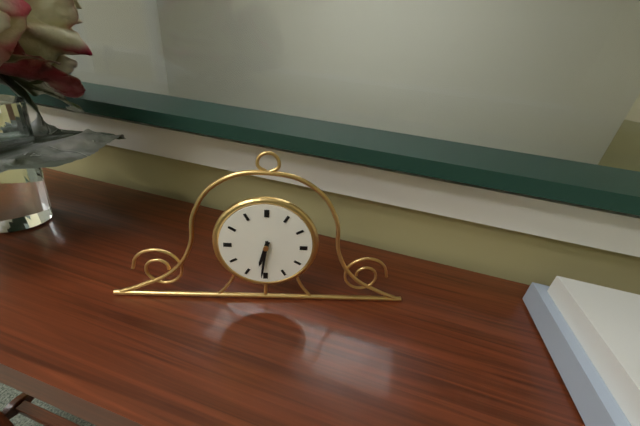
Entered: {"hour": 6, "minute": 31}
